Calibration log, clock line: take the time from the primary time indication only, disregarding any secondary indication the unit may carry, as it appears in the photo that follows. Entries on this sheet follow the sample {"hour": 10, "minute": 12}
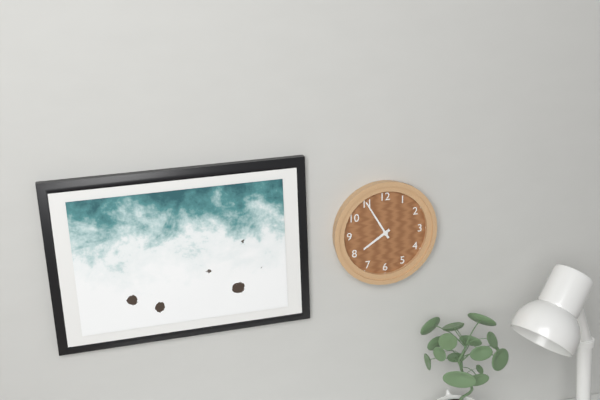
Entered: {"hour": 7, "minute": 55}
